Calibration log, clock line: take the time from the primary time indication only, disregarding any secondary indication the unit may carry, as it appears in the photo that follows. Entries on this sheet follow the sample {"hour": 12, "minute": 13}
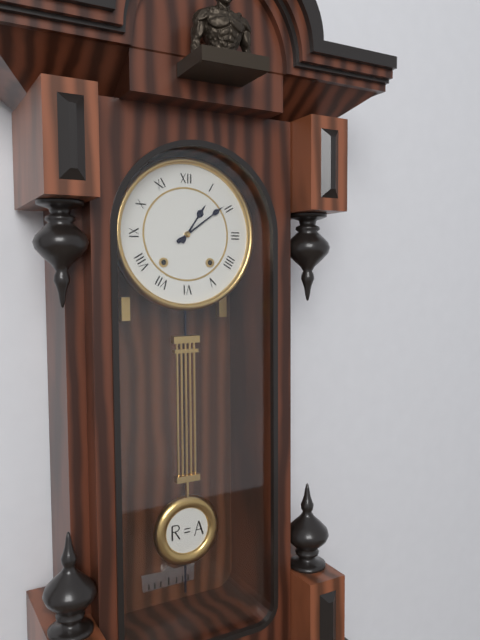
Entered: {"hour": 1, "minute": 9}
